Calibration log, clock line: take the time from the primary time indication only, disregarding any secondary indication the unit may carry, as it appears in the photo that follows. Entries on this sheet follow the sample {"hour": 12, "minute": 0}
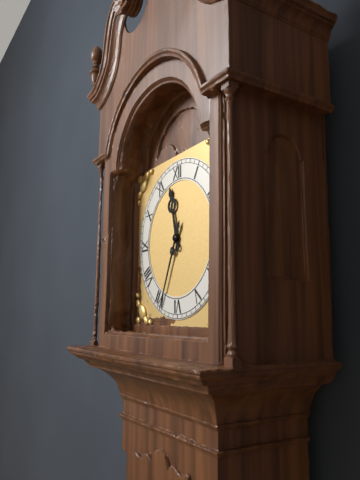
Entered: {"hour": 11, "minute": 34}
